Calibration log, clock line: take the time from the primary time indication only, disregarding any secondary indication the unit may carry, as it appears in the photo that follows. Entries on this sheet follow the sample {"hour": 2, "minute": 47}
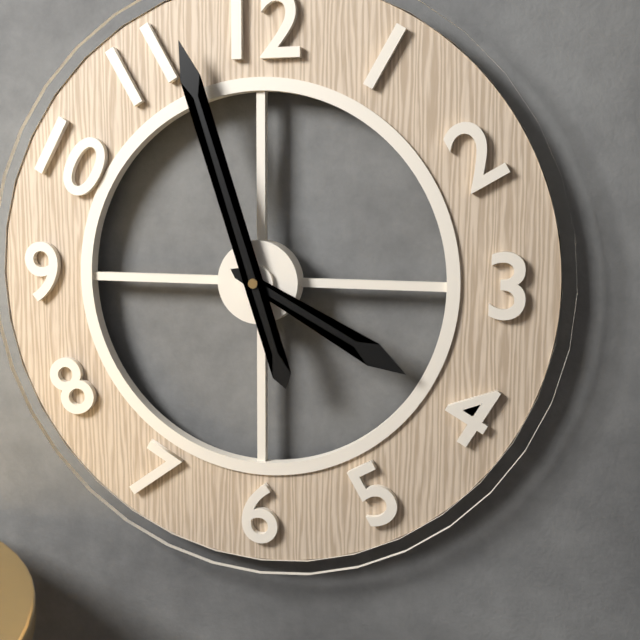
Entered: {"hour": 3, "minute": 57}
